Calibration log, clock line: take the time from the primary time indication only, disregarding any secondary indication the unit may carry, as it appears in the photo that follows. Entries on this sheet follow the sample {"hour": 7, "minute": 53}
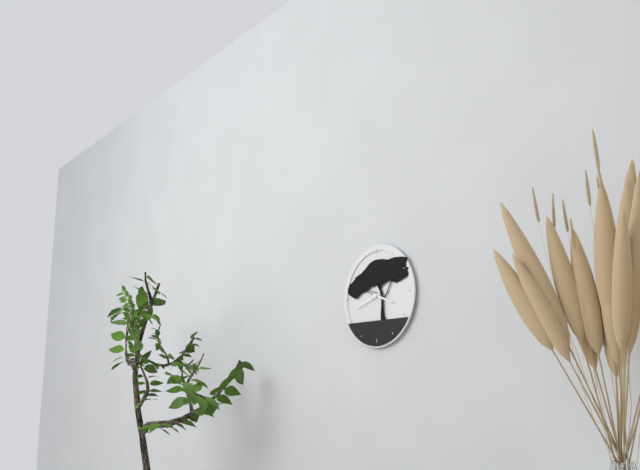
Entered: {"hour": 3, "minute": 42}
